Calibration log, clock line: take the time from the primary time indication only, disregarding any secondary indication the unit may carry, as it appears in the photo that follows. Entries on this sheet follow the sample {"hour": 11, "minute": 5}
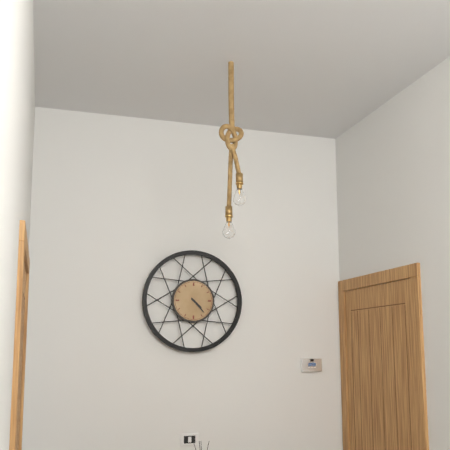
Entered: {"hour": 4, "minute": 23}
